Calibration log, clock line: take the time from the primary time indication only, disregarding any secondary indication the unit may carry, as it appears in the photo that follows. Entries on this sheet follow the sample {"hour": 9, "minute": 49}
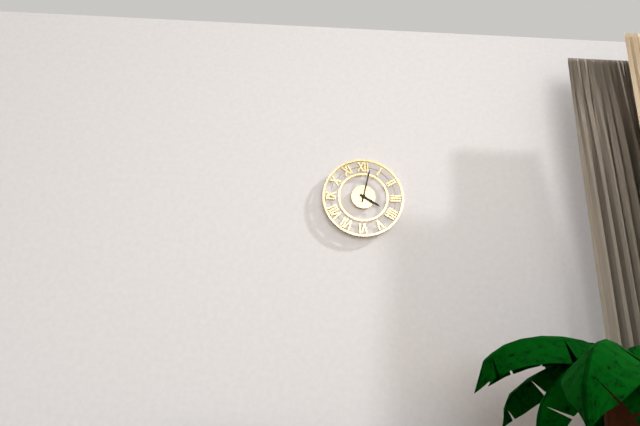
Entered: {"hour": 4, "minute": 2}
